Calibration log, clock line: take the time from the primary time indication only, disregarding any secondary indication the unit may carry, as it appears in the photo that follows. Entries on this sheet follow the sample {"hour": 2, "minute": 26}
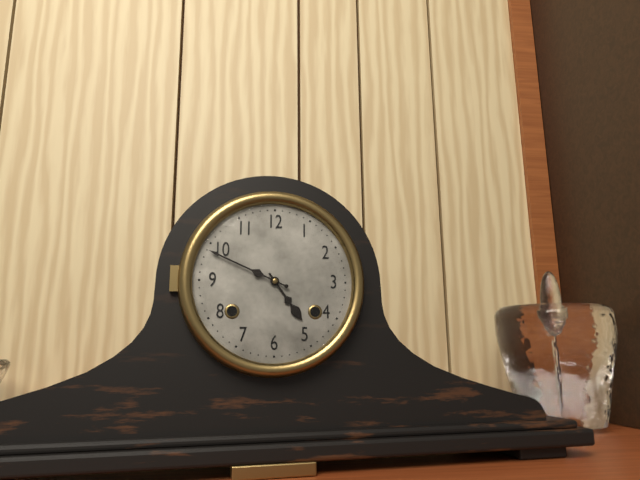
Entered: {"hour": 4, "minute": 49}
